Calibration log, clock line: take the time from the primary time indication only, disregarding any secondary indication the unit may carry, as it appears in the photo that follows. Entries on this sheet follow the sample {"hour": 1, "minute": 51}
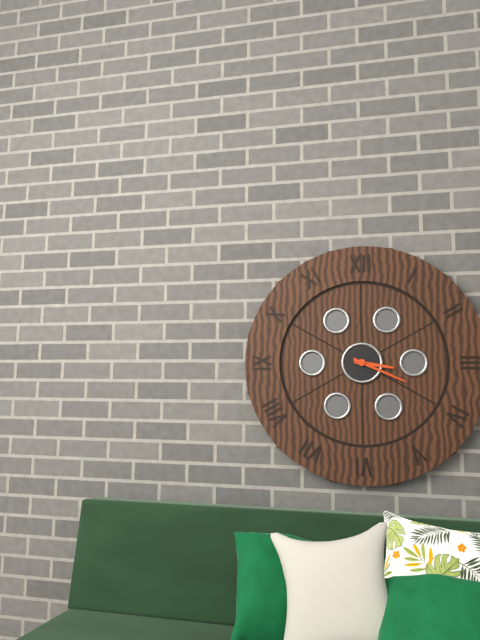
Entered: {"hour": 3, "minute": 19}
